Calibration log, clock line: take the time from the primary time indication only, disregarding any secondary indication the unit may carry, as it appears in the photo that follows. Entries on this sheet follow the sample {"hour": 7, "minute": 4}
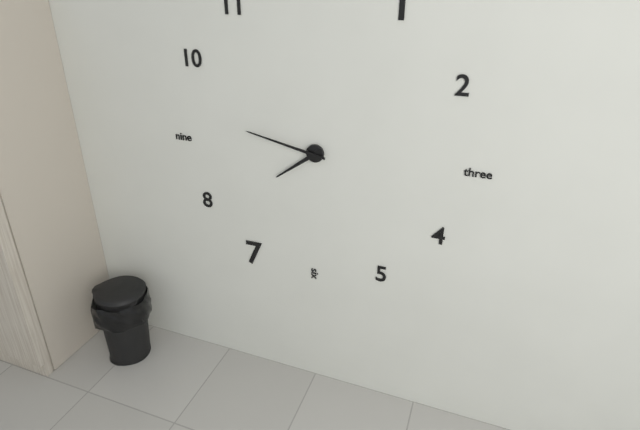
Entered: {"hour": 7, "minute": 47}
